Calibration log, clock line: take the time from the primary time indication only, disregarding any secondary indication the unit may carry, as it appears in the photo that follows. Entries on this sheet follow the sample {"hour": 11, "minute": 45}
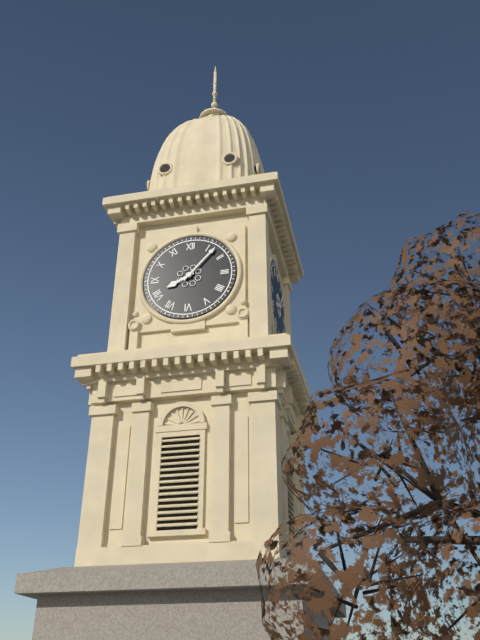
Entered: {"hour": 8, "minute": 7}
